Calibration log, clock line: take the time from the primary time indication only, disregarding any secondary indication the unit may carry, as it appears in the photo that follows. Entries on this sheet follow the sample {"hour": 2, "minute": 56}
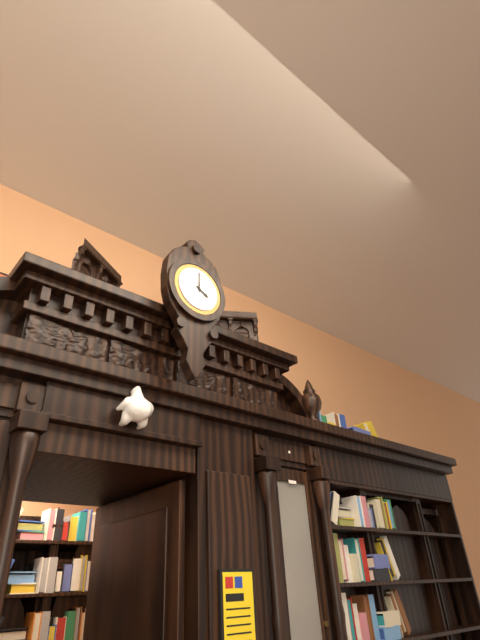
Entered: {"hour": 4, "minute": 0}
